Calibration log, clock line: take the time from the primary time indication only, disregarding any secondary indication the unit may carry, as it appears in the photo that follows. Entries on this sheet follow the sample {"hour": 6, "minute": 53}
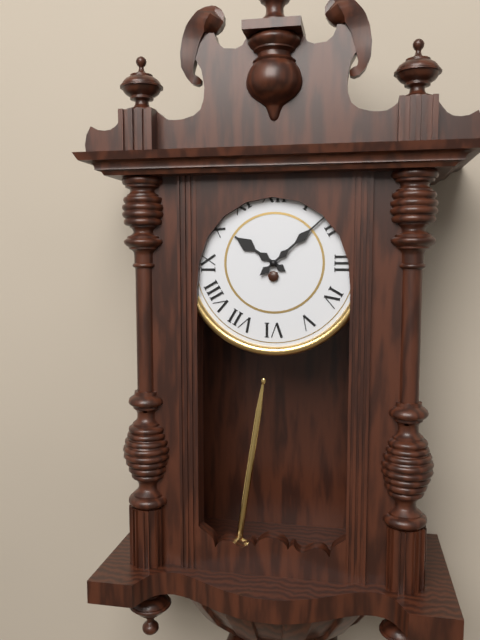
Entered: {"hour": 10, "minute": 8}
